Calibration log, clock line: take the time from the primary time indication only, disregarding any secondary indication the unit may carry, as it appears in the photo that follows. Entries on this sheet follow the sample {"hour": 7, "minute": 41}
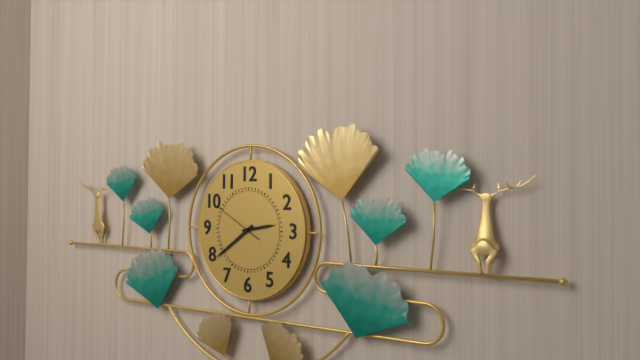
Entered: {"hour": 2, "minute": 39}
